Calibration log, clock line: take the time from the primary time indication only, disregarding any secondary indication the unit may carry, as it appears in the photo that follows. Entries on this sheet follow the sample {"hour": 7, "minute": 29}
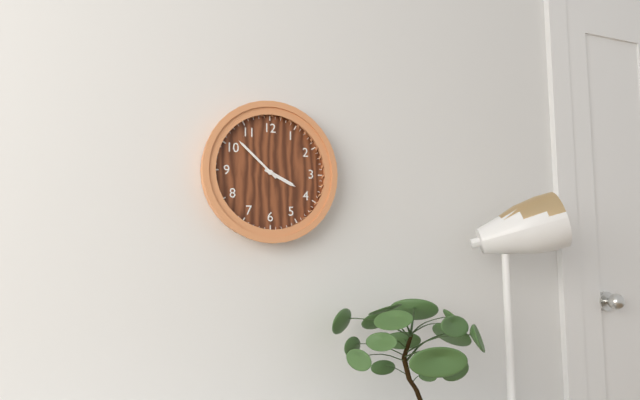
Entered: {"hour": 3, "minute": 52}
